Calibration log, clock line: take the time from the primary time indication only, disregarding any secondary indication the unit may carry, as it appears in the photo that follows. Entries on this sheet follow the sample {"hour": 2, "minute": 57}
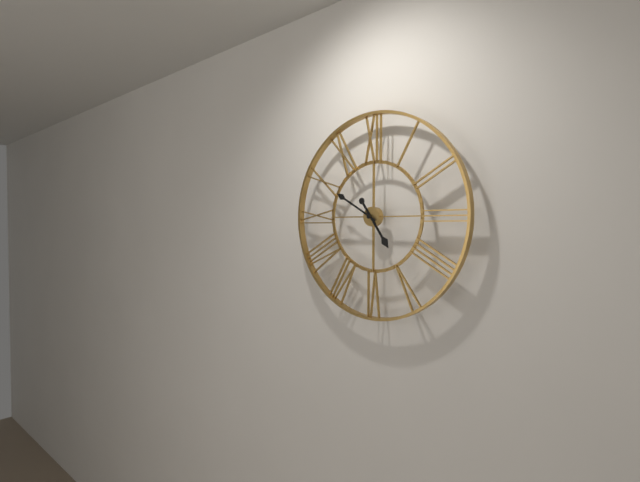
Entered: {"hour": 4, "minute": 50}
